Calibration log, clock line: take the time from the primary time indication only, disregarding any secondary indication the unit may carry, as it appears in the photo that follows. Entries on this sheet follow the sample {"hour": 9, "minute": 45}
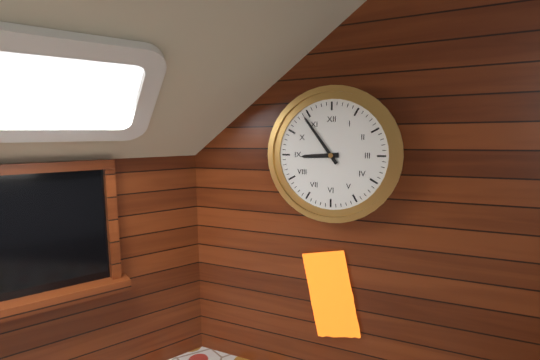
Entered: {"hour": 8, "minute": 54}
